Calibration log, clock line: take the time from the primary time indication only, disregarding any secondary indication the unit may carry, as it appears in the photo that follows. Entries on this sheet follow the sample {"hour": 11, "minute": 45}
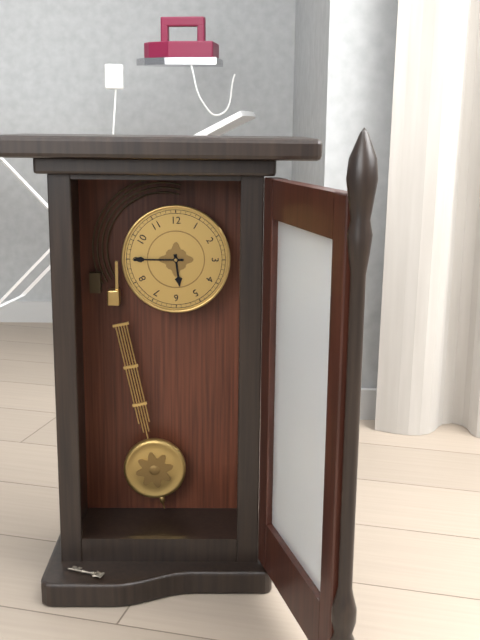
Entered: {"hour": 5, "minute": 45}
